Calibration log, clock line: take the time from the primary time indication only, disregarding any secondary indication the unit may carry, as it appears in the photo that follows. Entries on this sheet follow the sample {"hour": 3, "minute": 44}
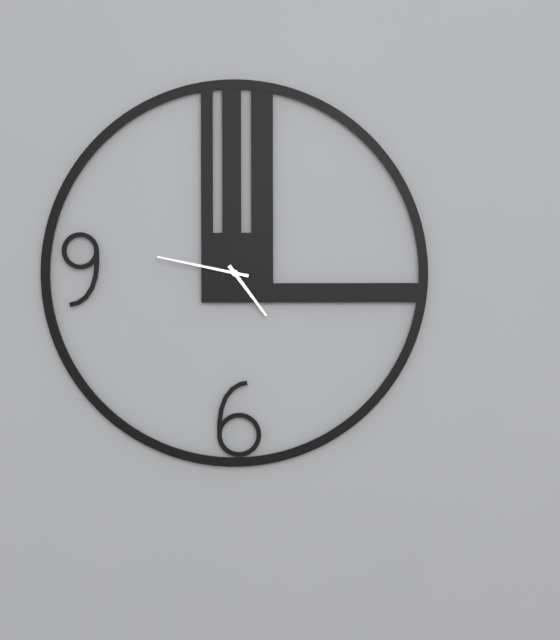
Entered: {"hour": 4, "minute": 47}
